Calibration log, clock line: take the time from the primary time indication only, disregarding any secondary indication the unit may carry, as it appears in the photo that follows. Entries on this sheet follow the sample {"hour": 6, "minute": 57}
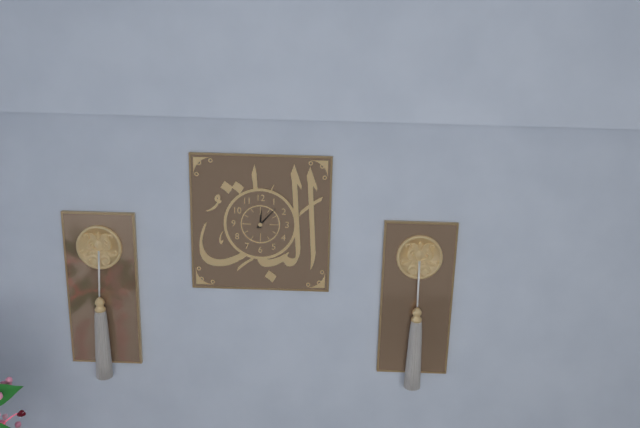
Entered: {"hour": 12, "minute": 7}
